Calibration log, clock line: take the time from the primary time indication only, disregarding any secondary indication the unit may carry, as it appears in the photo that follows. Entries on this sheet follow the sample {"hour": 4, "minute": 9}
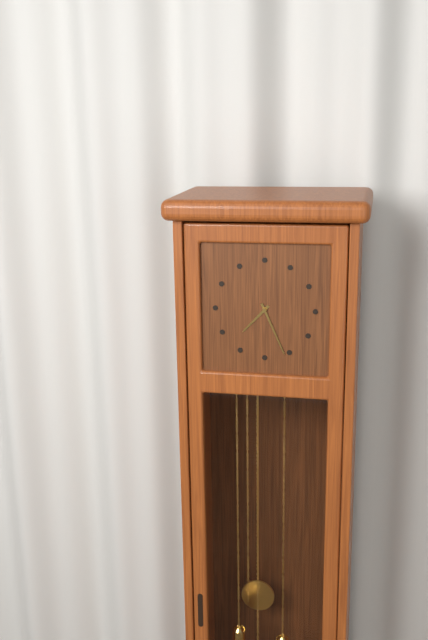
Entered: {"hour": 7, "minute": 26}
